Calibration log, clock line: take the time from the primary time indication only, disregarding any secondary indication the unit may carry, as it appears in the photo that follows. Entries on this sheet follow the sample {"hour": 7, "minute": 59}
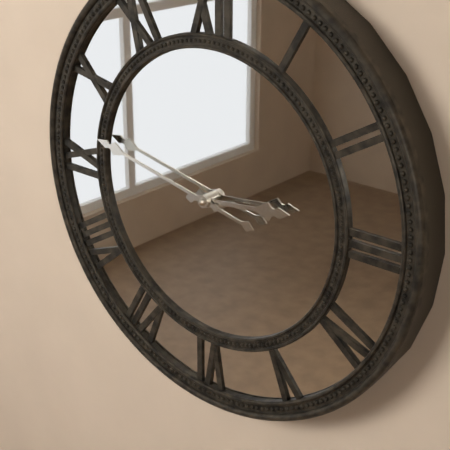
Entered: {"hour": 2, "minute": 47}
